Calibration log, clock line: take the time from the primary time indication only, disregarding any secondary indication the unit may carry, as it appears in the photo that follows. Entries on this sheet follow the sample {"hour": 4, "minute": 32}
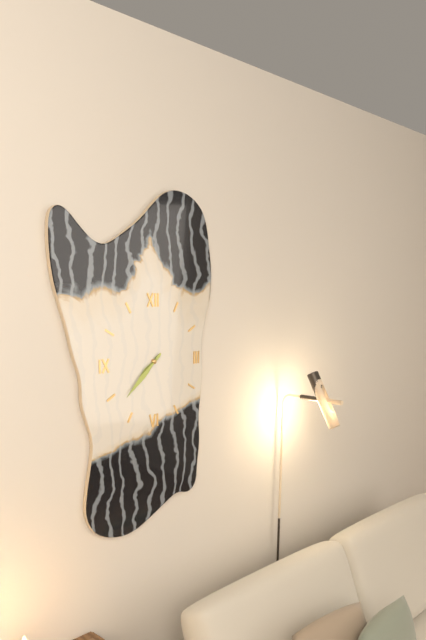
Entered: {"hour": 7, "minute": 38}
